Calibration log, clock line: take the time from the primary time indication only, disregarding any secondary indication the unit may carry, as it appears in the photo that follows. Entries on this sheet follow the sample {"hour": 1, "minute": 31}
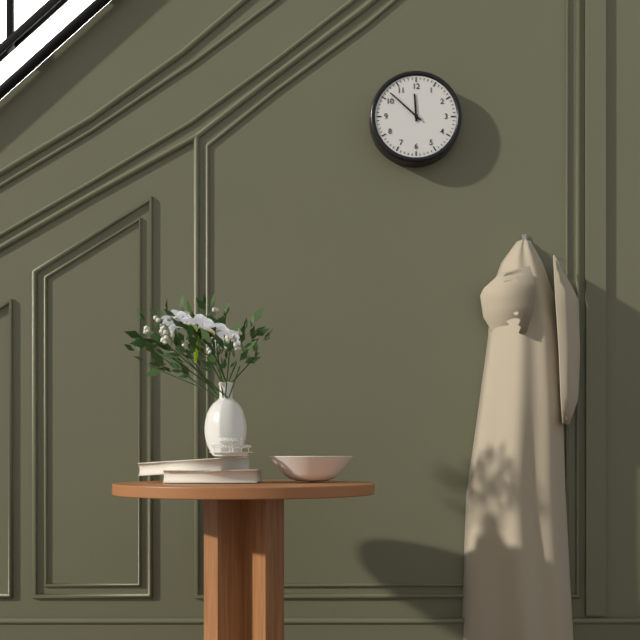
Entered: {"hour": 11, "minute": 52}
